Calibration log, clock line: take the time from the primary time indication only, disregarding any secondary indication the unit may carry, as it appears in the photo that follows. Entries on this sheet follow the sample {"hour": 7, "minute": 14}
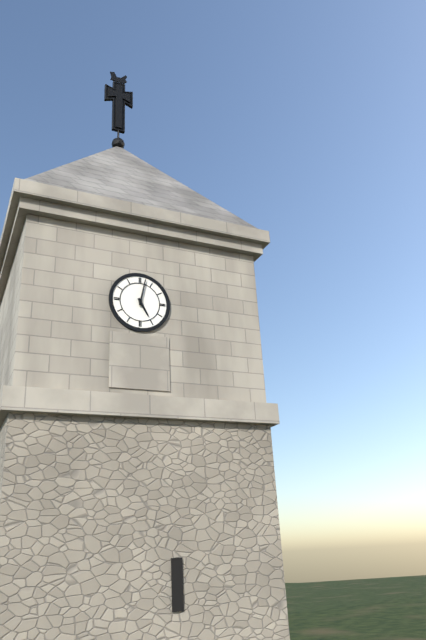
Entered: {"hour": 5, "minute": 2}
